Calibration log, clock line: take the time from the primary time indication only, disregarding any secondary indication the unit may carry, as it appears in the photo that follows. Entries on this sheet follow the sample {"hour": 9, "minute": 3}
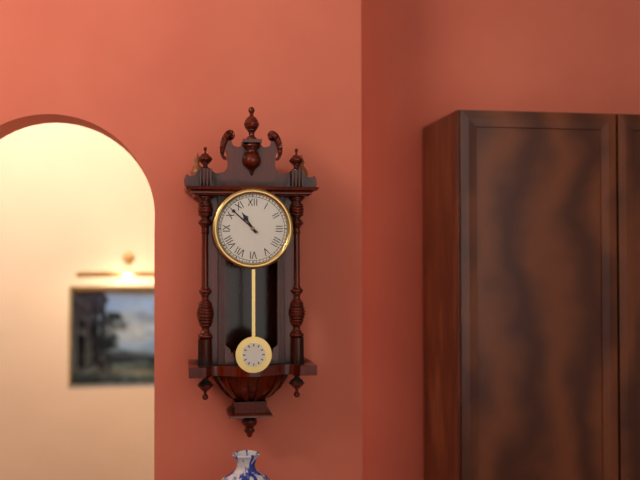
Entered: {"hour": 10, "minute": 52}
